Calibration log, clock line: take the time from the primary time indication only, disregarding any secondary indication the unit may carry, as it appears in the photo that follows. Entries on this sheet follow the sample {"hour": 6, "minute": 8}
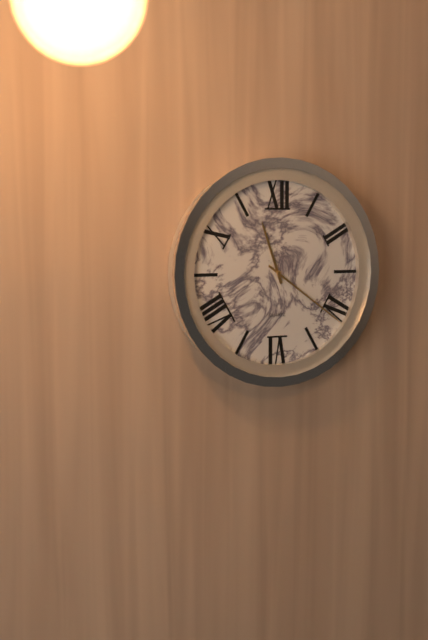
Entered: {"hour": 11, "minute": 21}
